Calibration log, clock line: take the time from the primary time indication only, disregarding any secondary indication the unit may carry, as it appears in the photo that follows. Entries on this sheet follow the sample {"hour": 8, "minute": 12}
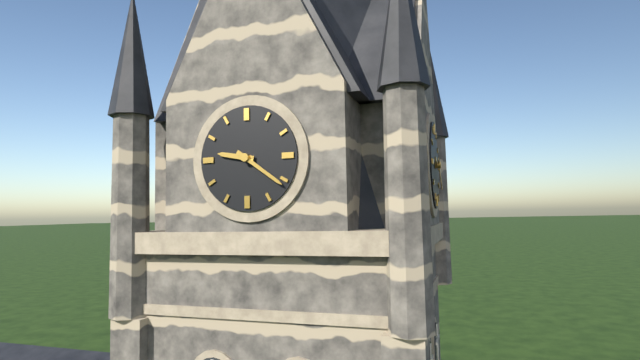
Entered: {"hour": 9, "minute": 21}
